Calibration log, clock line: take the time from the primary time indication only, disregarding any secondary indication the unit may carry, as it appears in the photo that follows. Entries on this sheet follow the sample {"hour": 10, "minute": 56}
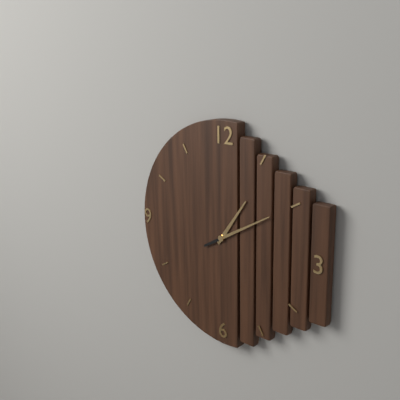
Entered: {"hour": 1, "minute": 10}
